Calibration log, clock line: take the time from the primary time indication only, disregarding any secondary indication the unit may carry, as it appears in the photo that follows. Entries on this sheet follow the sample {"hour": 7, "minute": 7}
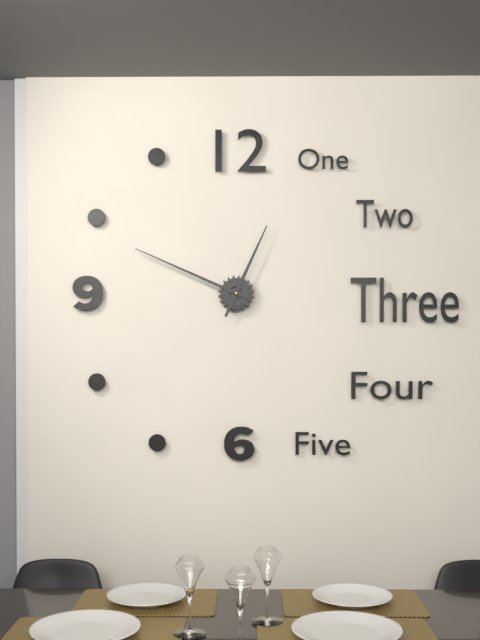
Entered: {"hour": 12, "minute": 49}
